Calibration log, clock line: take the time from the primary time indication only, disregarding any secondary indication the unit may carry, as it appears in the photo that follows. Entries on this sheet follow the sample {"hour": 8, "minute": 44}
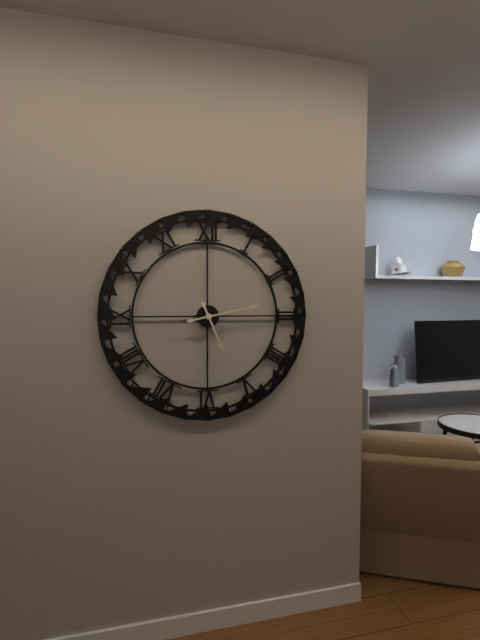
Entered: {"hour": 5, "minute": 13}
